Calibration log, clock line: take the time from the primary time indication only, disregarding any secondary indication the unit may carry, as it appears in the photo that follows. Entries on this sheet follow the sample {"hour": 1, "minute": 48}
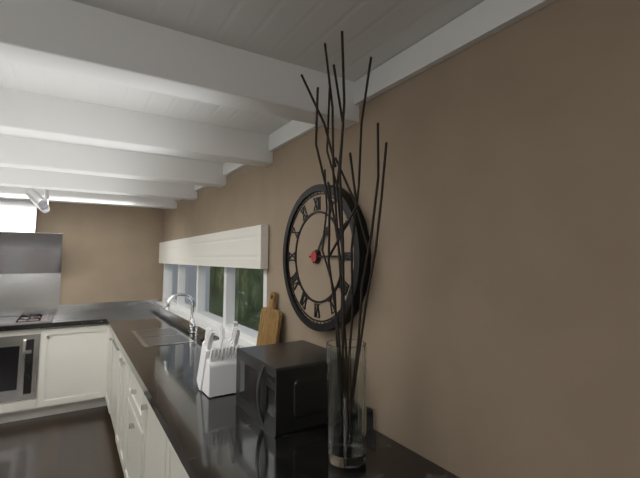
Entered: {"hour": 1, "minute": 15}
